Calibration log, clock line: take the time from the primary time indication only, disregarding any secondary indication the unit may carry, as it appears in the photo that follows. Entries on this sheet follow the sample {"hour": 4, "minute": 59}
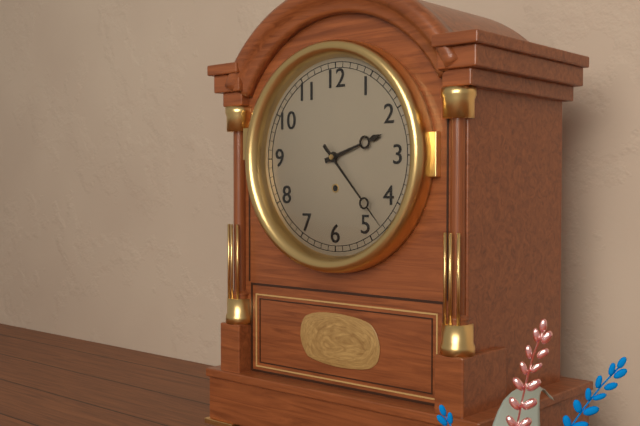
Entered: {"hour": 2, "minute": 23}
